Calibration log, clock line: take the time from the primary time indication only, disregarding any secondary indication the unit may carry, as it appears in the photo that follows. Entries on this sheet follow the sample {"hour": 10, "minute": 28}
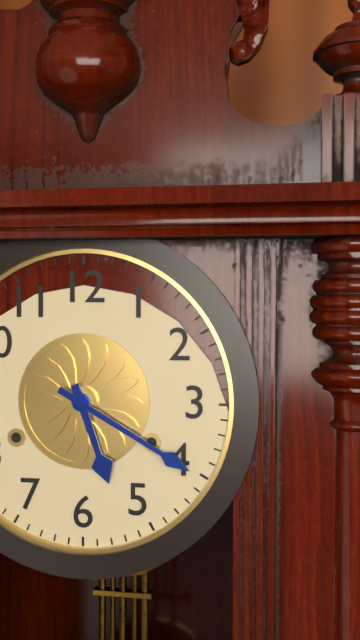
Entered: {"hour": 5, "minute": 20}
